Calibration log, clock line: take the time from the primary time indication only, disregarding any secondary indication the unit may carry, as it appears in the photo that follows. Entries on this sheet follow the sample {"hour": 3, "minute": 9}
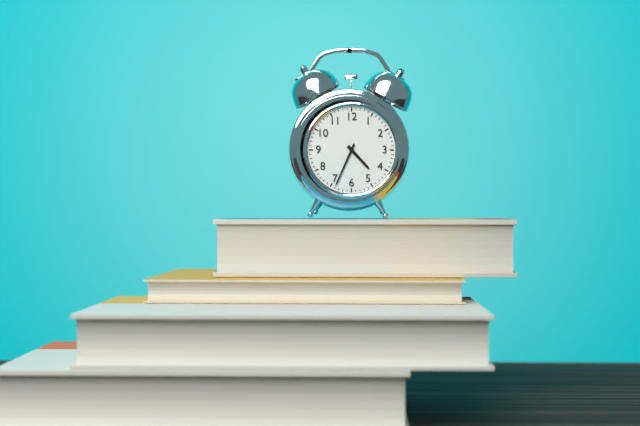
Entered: {"hour": 4, "minute": 34}
